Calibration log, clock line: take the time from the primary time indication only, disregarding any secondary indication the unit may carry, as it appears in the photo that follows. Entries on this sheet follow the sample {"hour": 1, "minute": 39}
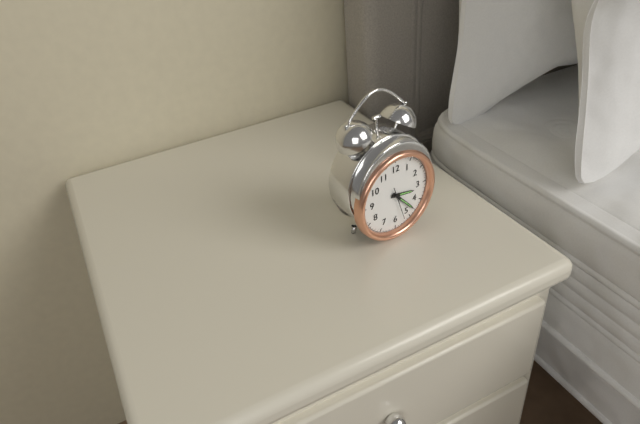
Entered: {"hour": 3, "minute": 23}
